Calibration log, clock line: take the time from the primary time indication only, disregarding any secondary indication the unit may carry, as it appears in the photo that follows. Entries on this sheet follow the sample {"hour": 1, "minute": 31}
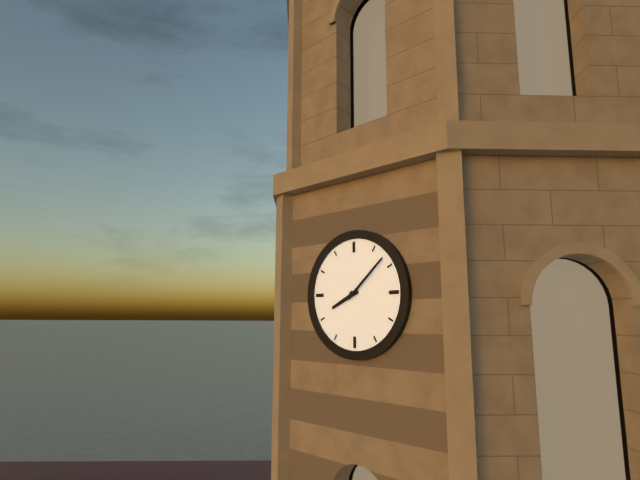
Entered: {"hour": 8, "minute": 8}
